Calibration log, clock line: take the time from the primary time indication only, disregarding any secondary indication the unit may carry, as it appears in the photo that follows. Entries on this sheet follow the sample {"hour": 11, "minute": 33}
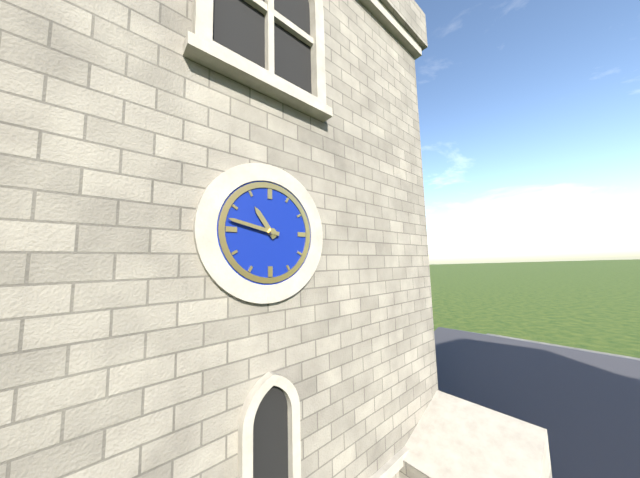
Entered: {"hour": 10, "minute": 47}
